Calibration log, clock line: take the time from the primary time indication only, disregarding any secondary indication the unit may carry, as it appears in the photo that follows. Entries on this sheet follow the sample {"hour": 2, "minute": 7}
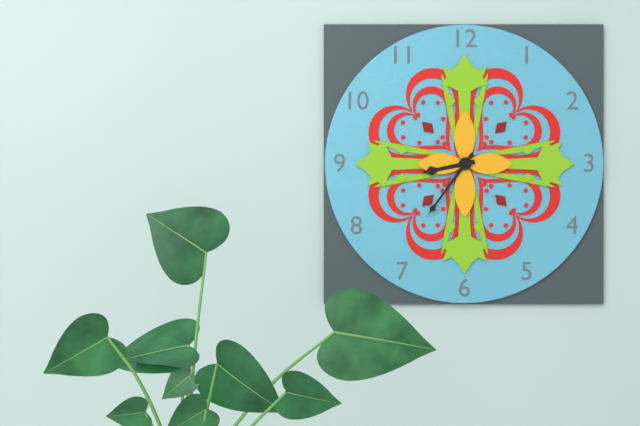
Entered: {"hour": 8, "minute": 36}
